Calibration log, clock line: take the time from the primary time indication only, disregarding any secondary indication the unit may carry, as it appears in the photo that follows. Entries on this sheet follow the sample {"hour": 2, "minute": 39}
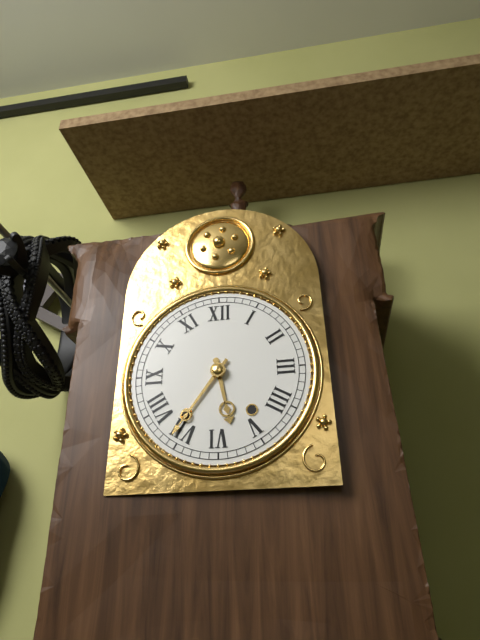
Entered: {"hour": 5, "minute": 36}
